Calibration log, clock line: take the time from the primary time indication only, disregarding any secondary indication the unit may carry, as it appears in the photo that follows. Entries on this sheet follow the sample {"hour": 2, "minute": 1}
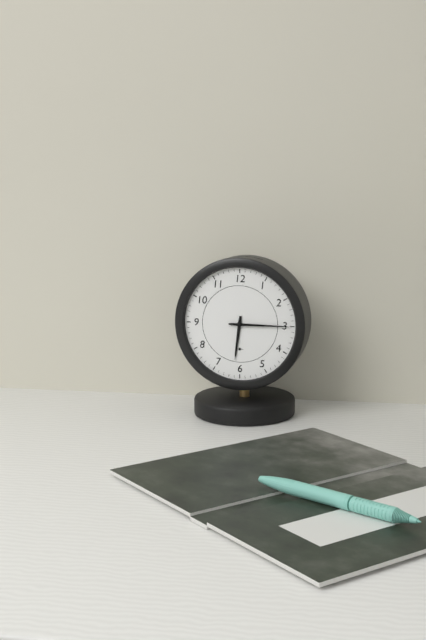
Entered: {"hour": 6, "minute": 15}
